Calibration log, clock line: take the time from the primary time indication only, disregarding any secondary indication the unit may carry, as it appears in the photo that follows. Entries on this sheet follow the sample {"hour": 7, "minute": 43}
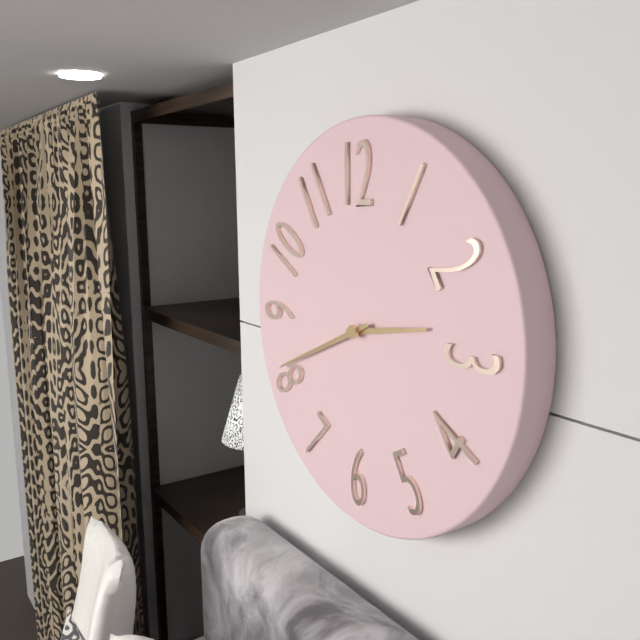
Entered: {"hour": 2, "minute": 41}
